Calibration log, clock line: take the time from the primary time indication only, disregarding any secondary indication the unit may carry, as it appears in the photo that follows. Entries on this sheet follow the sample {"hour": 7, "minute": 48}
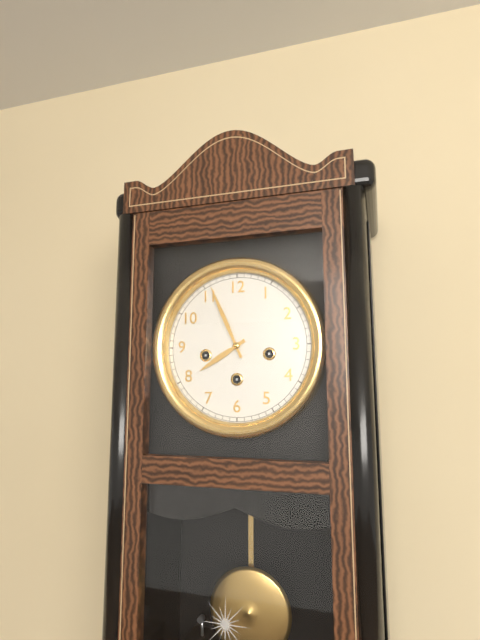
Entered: {"hour": 7, "minute": 56}
